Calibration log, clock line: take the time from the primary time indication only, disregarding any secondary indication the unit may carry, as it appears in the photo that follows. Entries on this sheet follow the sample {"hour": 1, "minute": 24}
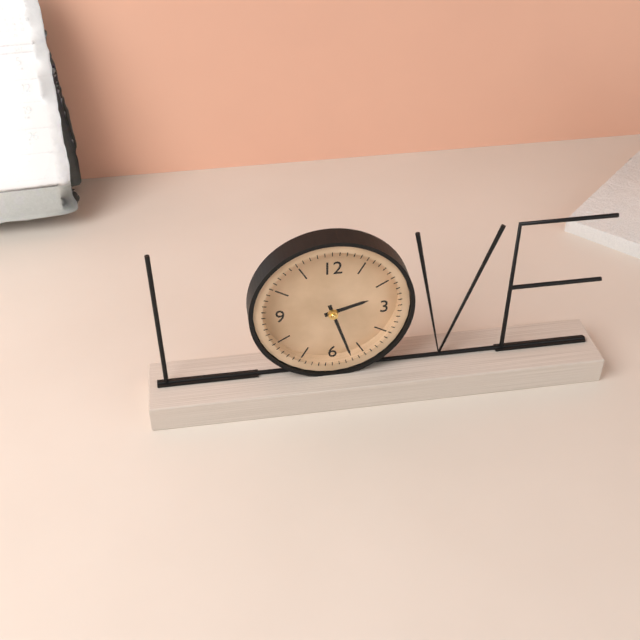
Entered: {"hour": 2, "minute": 27}
